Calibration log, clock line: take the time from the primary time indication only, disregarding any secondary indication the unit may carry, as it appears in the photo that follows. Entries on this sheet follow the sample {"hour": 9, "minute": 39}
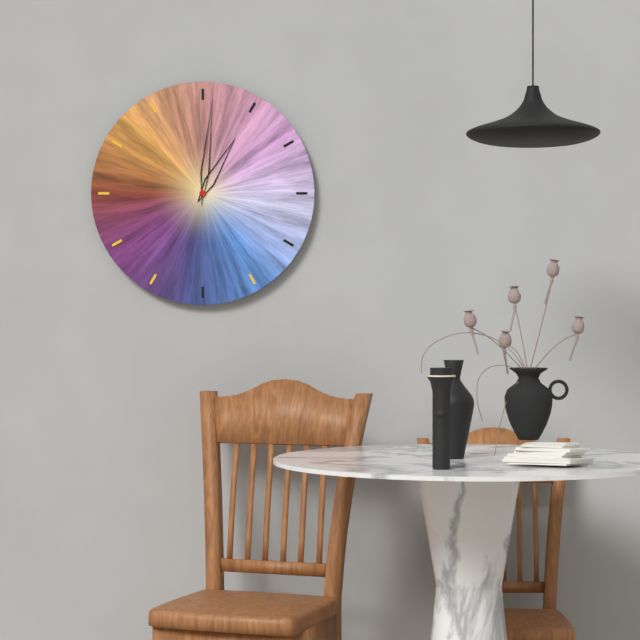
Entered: {"hour": 1, "minute": 1}
